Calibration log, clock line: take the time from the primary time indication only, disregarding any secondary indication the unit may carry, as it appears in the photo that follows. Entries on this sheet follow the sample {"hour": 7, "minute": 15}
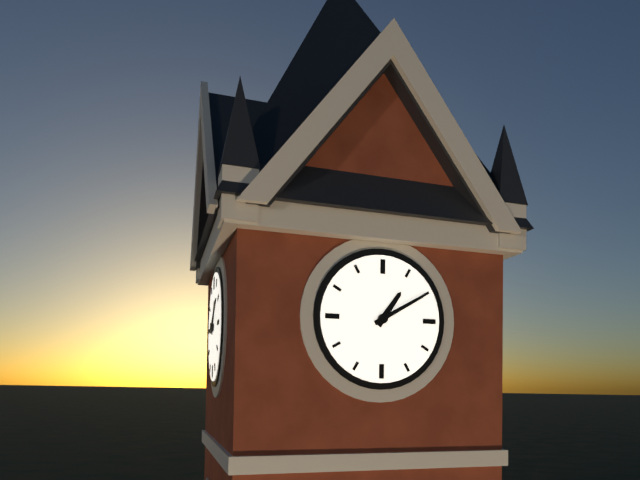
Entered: {"hour": 1, "minute": 10}
